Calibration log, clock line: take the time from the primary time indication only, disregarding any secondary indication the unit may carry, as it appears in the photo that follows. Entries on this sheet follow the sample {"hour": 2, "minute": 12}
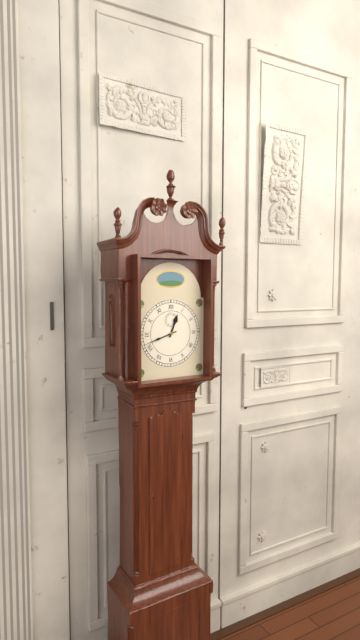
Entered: {"hour": 12, "minute": 42}
